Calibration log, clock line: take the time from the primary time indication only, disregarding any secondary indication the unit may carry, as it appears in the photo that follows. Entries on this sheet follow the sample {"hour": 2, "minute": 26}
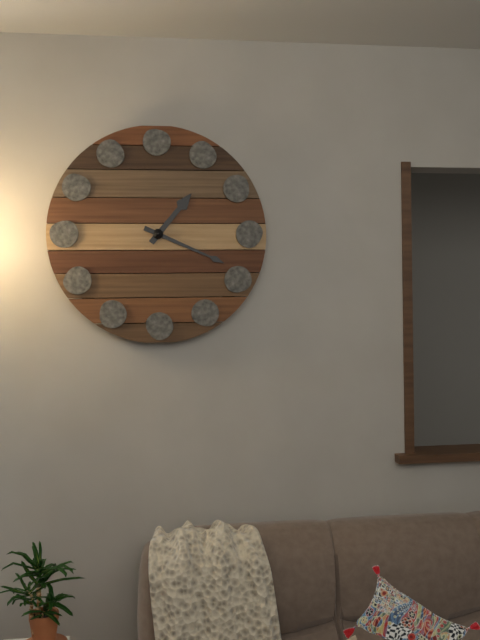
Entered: {"hour": 1, "minute": 19}
